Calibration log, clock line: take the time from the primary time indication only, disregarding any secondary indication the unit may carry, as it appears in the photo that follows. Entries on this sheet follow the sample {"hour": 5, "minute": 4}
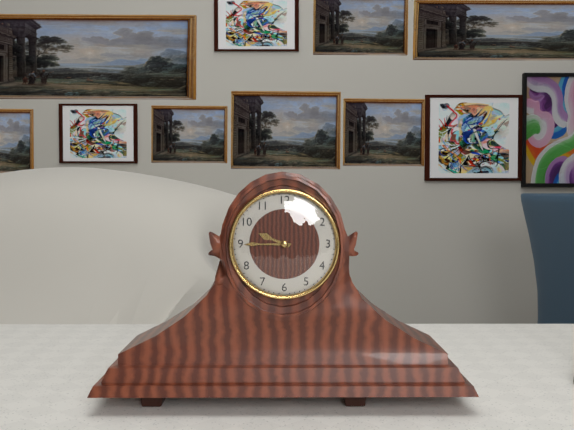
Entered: {"hour": 9, "minute": 45}
